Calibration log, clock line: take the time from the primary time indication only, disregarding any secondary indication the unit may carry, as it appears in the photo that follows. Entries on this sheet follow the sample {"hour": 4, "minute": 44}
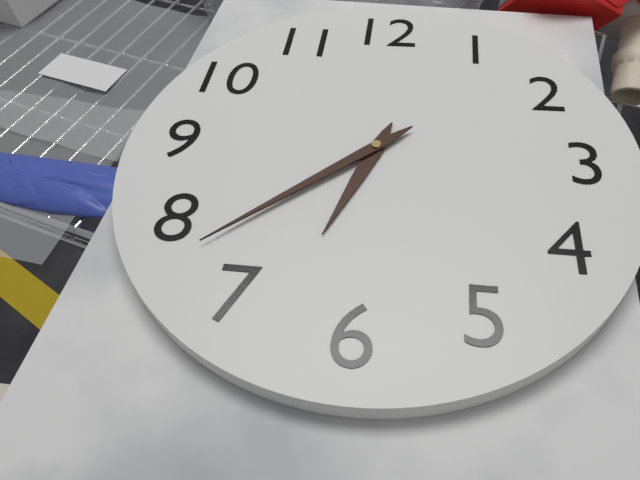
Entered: {"hour": 6, "minute": 38}
